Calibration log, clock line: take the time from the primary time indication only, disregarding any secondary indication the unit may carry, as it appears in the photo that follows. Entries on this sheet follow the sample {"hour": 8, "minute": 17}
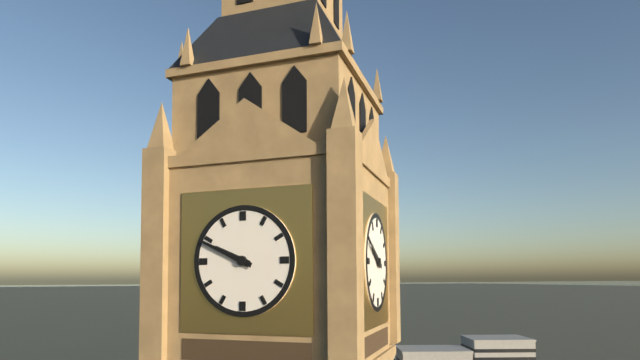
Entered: {"hour": 9, "minute": 49}
